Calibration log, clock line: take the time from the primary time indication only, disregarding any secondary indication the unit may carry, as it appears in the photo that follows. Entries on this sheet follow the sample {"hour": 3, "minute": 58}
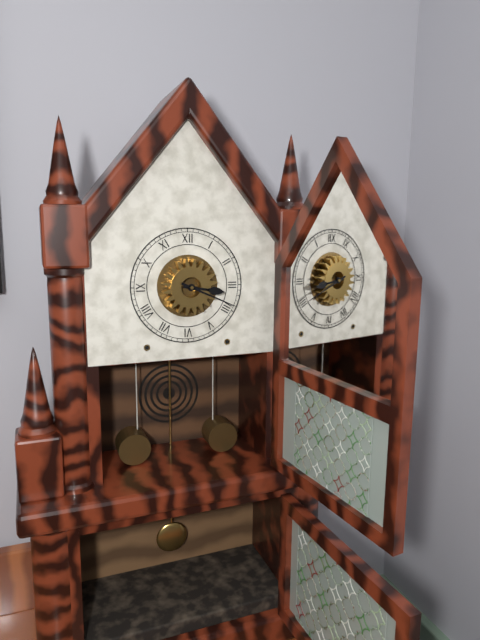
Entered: {"hour": 3, "minute": 19}
